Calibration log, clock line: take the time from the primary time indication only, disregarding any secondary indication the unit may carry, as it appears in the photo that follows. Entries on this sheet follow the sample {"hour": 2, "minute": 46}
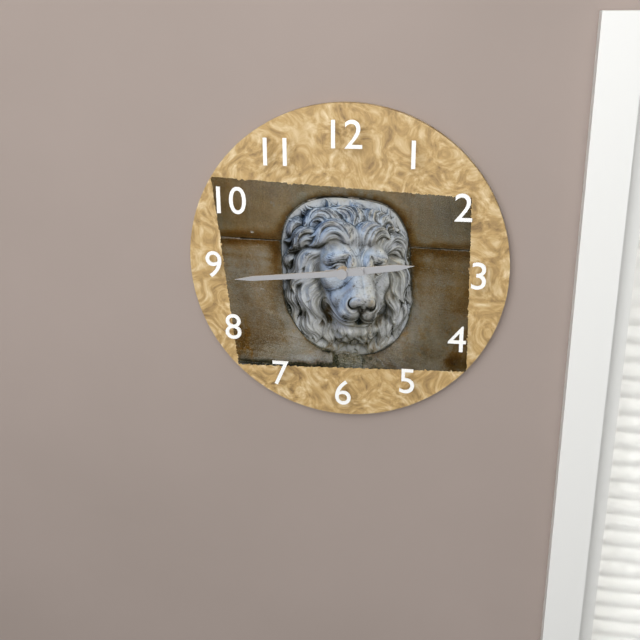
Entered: {"hour": 2, "minute": 44}
